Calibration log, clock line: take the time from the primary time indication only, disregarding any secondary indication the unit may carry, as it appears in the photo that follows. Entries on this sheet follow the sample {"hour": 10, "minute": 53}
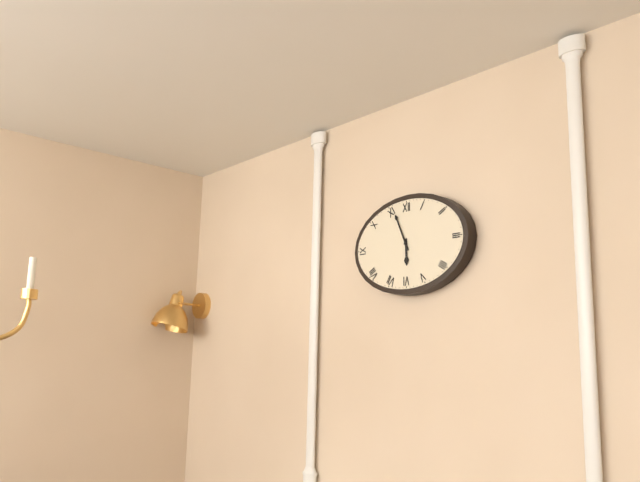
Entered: {"hour": 5, "minute": 56}
